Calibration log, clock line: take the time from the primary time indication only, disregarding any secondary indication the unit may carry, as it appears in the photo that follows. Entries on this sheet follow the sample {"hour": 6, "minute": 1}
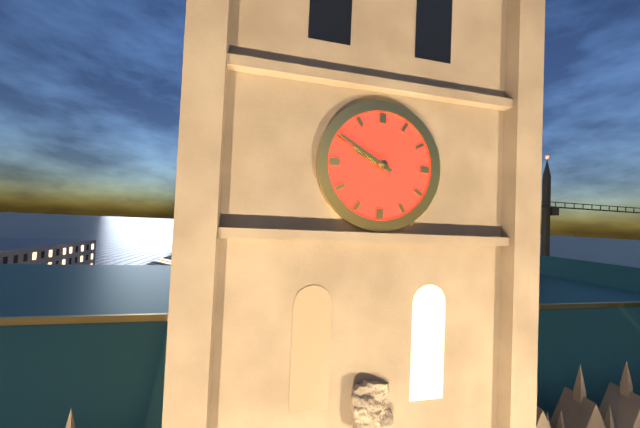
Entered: {"hour": 9, "minute": 50}
